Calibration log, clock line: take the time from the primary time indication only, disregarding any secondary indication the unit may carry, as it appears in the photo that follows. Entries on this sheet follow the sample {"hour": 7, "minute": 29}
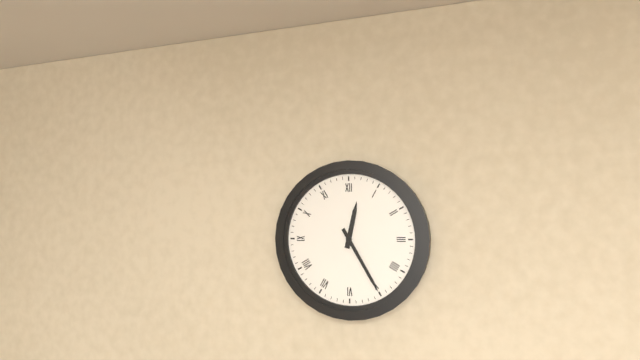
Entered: {"hour": 12, "minute": 25}
